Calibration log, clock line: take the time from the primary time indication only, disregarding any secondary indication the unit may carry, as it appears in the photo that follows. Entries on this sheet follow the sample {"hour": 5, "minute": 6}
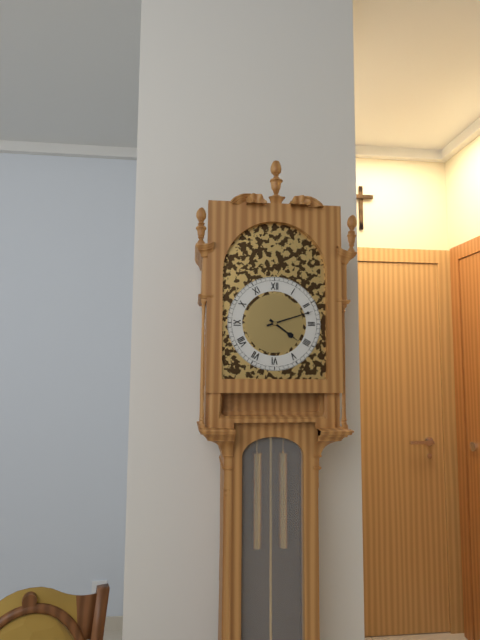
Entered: {"hour": 4, "minute": 12}
